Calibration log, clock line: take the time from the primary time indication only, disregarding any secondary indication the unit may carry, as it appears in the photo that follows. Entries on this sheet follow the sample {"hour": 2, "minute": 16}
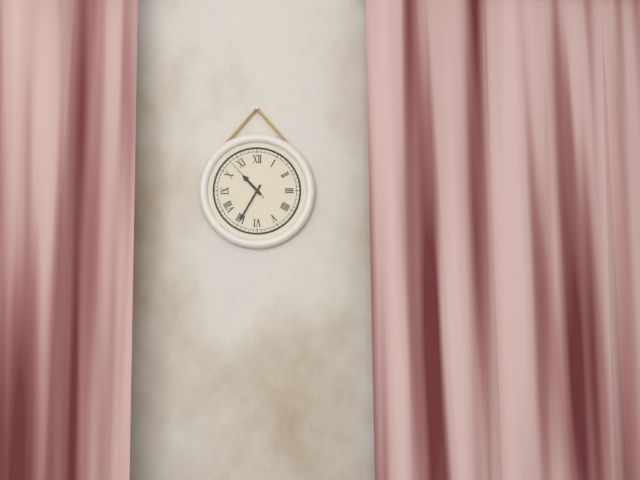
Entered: {"hour": 10, "minute": 35}
